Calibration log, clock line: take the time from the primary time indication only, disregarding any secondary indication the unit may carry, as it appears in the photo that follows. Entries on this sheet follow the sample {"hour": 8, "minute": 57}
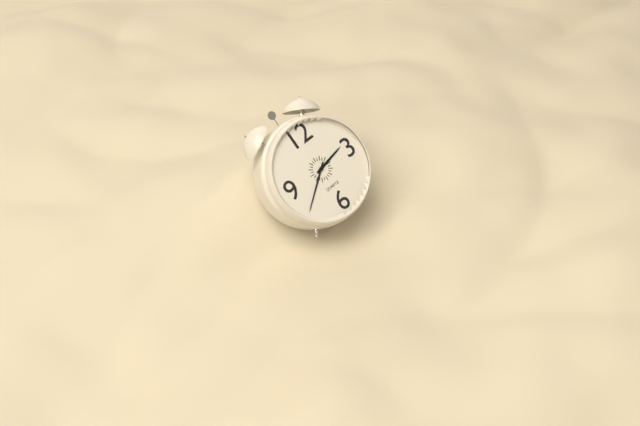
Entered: {"hour": 2, "minute": 39}
